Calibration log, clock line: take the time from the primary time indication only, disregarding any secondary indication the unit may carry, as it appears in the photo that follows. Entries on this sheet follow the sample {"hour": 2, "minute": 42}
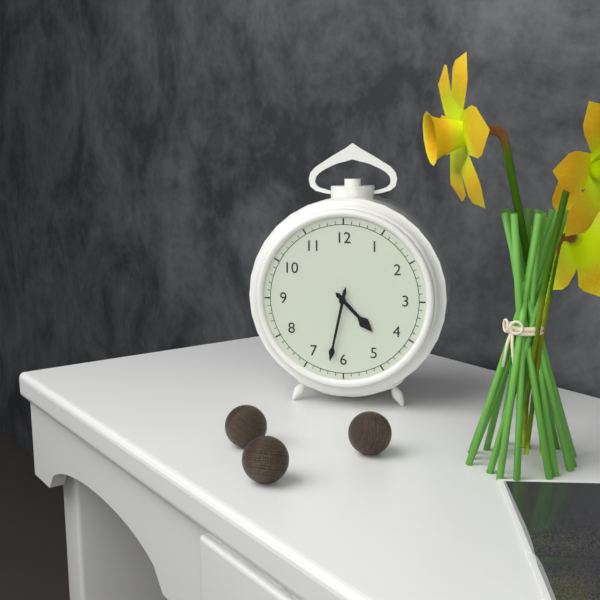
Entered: {"hour": 4, "minute": 32}
